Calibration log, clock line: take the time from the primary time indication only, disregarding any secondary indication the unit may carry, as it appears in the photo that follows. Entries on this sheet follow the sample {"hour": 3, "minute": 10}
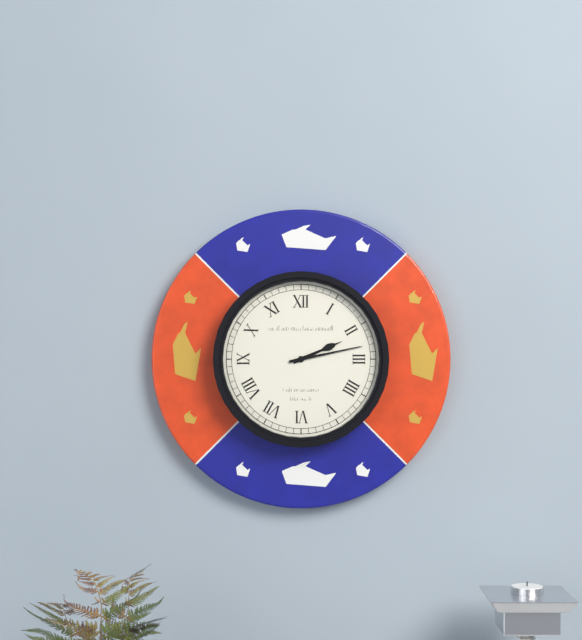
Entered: {"hour": 2, "minute": 13}
